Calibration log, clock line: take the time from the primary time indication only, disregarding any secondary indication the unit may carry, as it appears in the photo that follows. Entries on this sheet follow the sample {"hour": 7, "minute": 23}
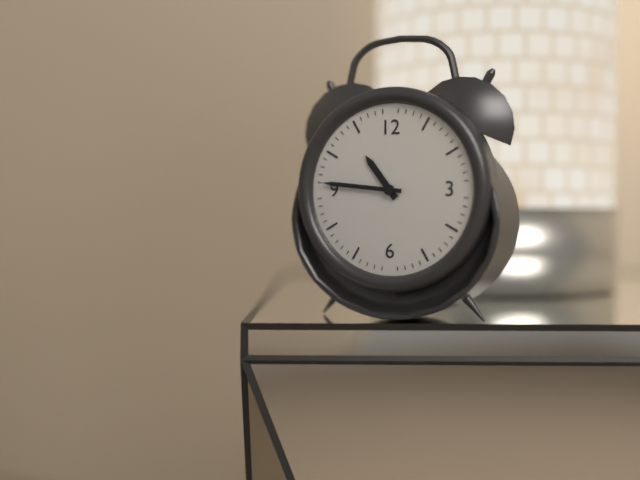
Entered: {"hour": 10, "minute": 46}
